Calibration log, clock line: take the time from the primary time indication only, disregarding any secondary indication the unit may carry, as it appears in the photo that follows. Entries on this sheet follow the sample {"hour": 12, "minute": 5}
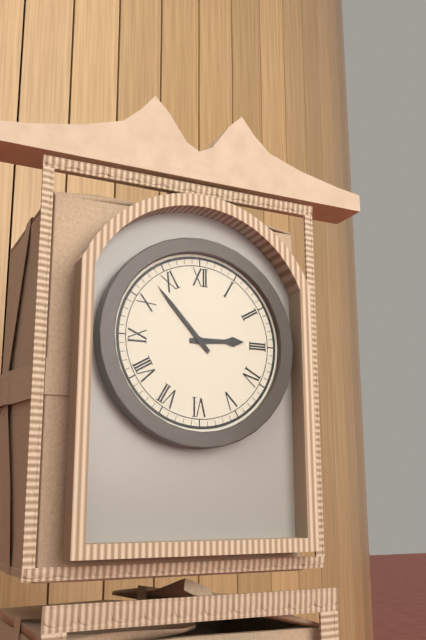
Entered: {"hour": 2, "minute": 53}
